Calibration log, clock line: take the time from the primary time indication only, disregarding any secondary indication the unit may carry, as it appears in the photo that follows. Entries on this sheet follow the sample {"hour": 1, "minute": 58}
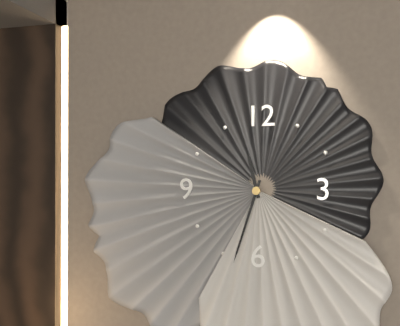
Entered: {"hour": 11, "minute": 33}
